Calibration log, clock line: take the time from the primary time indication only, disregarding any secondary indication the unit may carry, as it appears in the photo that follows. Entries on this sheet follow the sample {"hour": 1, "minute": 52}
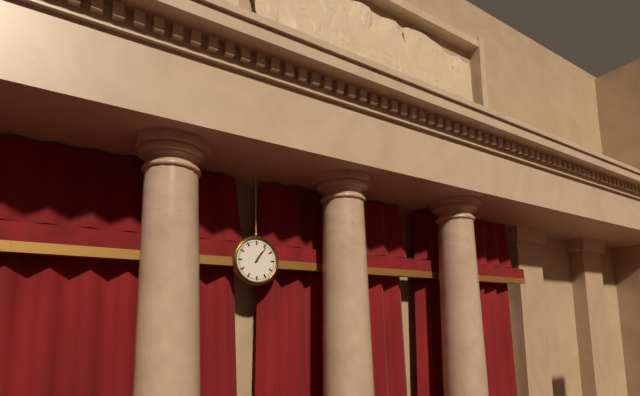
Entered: {"hour": 1, "minute": 6}
